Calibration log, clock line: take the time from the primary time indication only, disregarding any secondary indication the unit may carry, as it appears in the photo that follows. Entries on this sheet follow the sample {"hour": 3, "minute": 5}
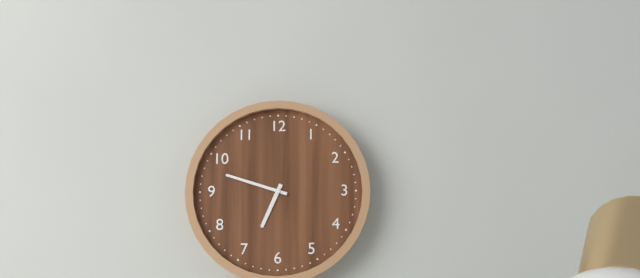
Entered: {"hour": 6, "minute": 48}
